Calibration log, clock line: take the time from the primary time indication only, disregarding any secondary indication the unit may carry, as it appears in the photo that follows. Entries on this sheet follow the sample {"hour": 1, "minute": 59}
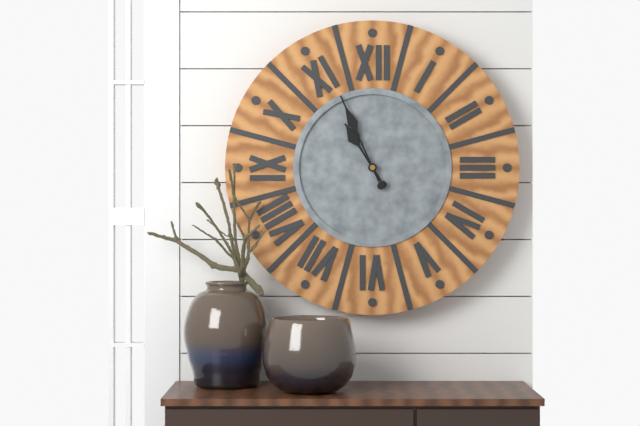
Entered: {"hour": 10, "minute": 56}
